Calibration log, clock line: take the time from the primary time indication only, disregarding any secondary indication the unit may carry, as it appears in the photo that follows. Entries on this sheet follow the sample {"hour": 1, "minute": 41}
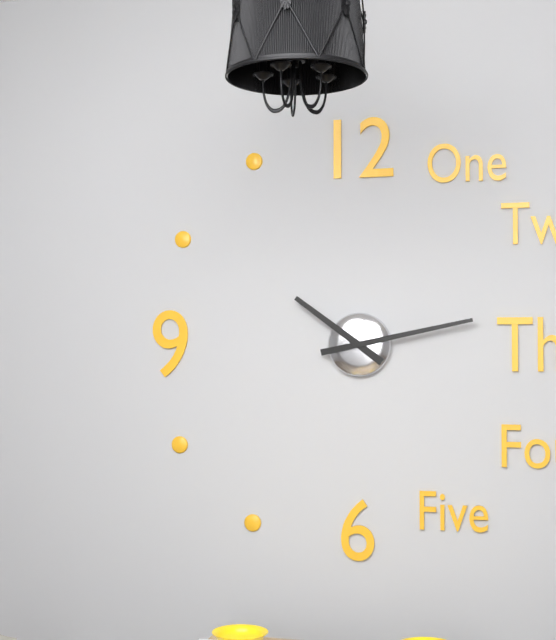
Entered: {"hour": 10, "minute": 13}
